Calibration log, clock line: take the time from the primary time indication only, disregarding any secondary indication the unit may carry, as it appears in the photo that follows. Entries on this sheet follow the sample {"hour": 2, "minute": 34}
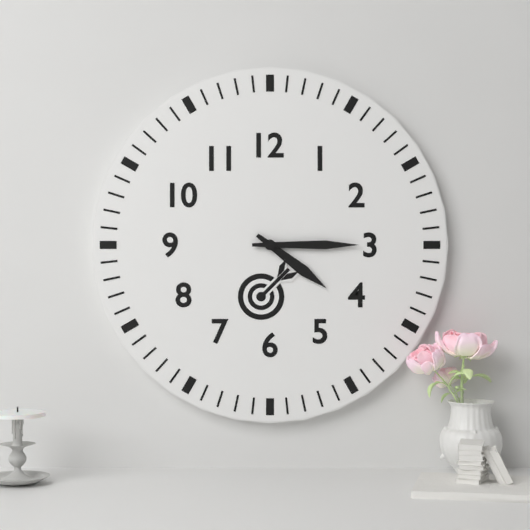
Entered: {"hour": 4, "minute": 15}
